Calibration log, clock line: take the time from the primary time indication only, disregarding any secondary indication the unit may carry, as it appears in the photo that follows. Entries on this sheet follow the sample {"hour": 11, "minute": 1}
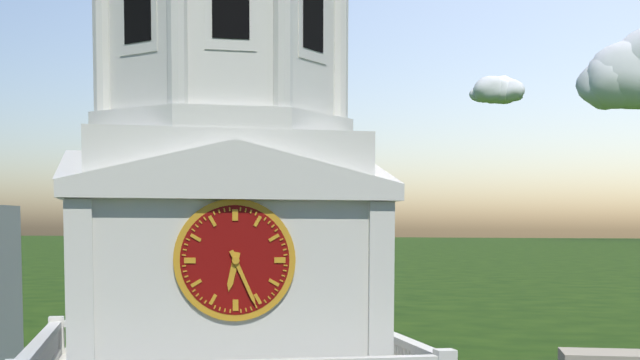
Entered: {"hour": 6, "minute": 26}
